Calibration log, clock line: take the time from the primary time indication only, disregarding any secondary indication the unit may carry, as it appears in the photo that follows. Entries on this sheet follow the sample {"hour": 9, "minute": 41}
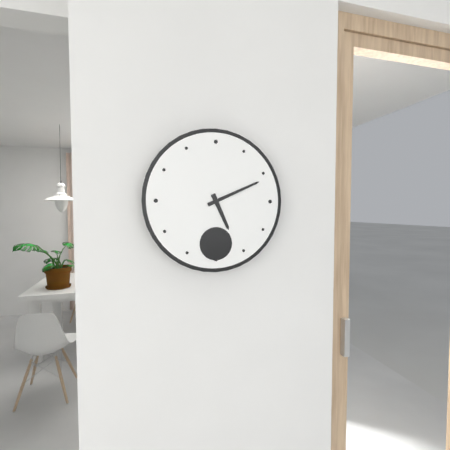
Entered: {"hour": 5, "minute": 11}
